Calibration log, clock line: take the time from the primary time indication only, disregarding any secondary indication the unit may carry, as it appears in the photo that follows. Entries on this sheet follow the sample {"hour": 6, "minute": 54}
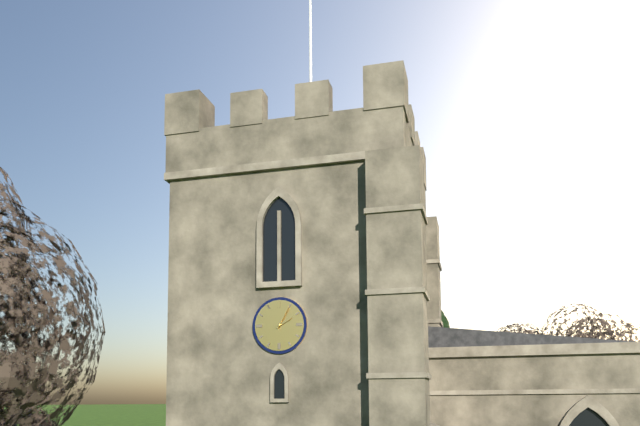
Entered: {"hour": 2, "minute": 5}
